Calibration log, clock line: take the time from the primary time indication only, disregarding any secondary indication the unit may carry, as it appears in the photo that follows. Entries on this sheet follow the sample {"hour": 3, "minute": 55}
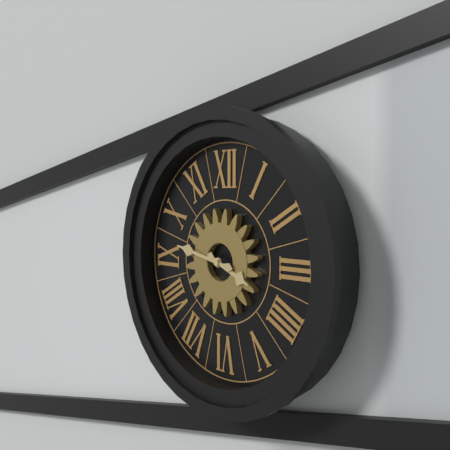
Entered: {"hour": 3, "minute": 47}
